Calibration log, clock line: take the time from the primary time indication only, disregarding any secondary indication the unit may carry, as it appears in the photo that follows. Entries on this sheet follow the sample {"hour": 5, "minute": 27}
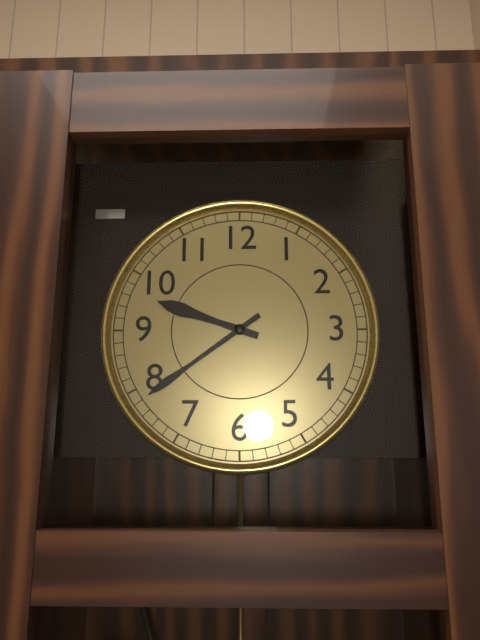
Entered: {"hour": 9, "minute": 39}
